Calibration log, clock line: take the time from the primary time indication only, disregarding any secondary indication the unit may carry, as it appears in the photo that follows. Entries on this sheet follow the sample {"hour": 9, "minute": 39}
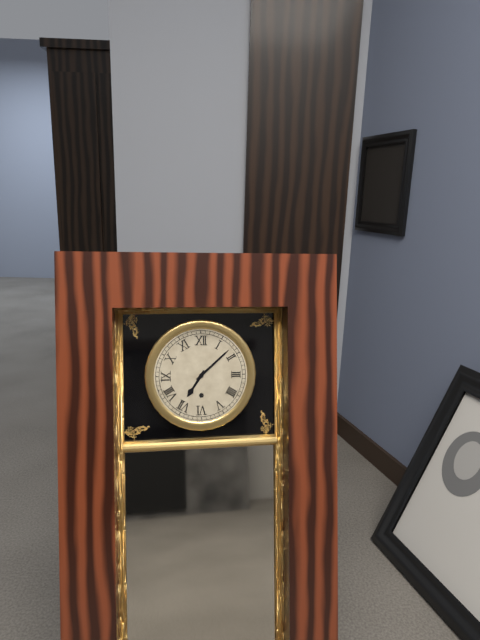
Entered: {"hour": 7, "minute": 8}
